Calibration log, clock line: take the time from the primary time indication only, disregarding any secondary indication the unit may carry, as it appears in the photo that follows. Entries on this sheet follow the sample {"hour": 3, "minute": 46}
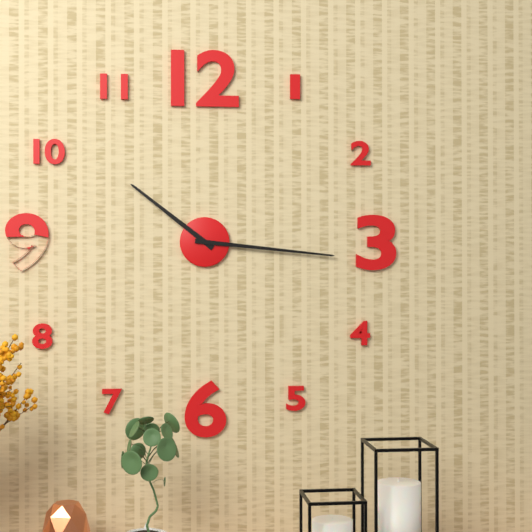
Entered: {"hour": 10, "minute": 16}
